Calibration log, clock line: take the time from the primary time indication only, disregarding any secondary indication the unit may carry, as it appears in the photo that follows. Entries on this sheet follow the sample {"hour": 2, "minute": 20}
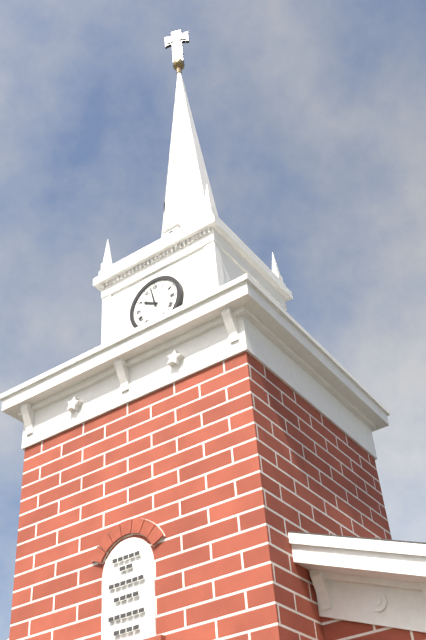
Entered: {"hour": 9, "minute": 58}
